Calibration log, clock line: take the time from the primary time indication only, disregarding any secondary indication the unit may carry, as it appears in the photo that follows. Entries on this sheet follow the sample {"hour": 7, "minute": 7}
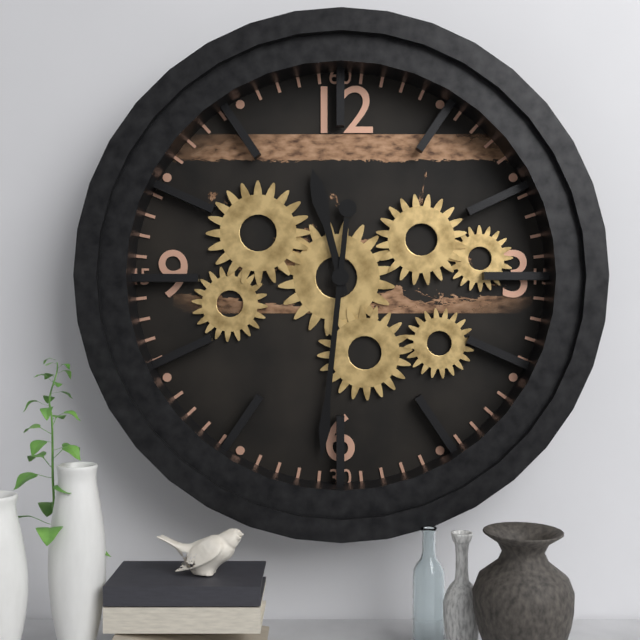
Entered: {"hour": 11, "minute": 31}
